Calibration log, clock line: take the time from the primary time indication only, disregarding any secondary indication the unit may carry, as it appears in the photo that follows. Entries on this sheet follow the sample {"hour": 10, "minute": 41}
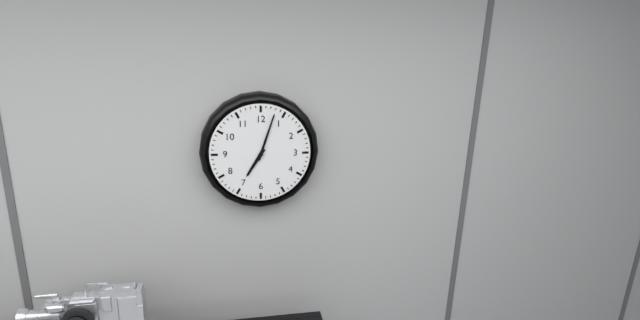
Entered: {"hour": 7, "minute": 3}
